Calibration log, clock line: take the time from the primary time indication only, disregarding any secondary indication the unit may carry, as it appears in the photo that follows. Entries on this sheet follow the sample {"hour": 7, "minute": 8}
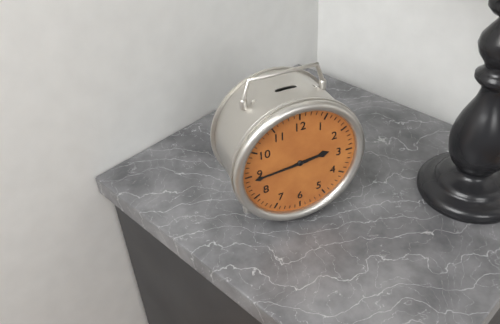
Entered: {"hour": 2, "minute": 44}
